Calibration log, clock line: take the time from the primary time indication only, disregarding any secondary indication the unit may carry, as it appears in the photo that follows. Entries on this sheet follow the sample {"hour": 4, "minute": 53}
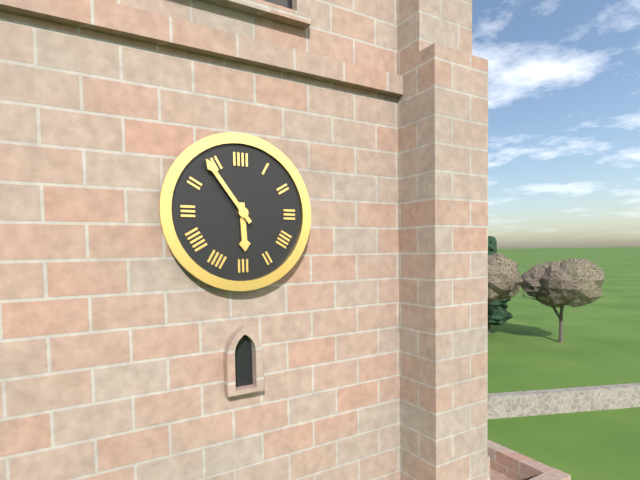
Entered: {"hour": 5, "minute": 54}
